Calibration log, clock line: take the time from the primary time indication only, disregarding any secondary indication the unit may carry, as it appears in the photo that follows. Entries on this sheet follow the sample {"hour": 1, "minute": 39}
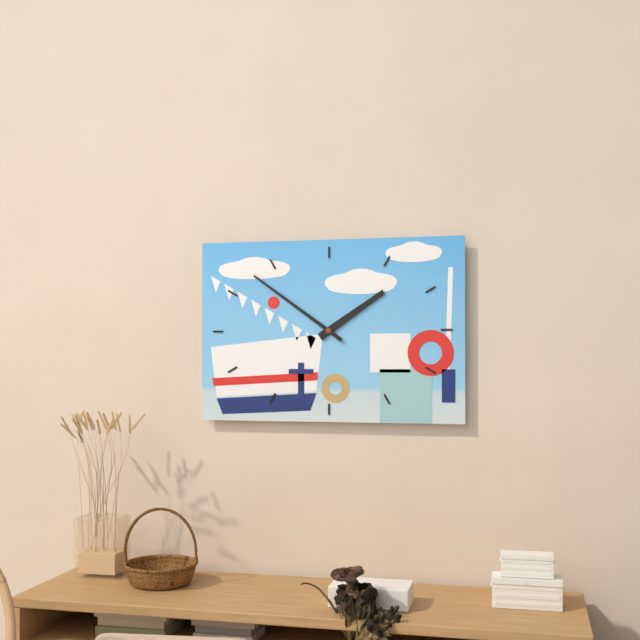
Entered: {"hour": 1, "minute": 51}
